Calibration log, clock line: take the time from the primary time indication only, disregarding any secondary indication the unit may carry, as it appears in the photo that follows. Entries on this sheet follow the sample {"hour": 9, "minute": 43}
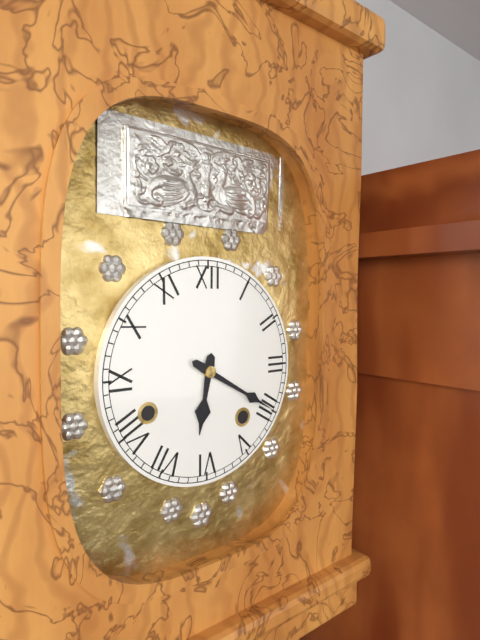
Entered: {"hour": 6, "minute": 20}
